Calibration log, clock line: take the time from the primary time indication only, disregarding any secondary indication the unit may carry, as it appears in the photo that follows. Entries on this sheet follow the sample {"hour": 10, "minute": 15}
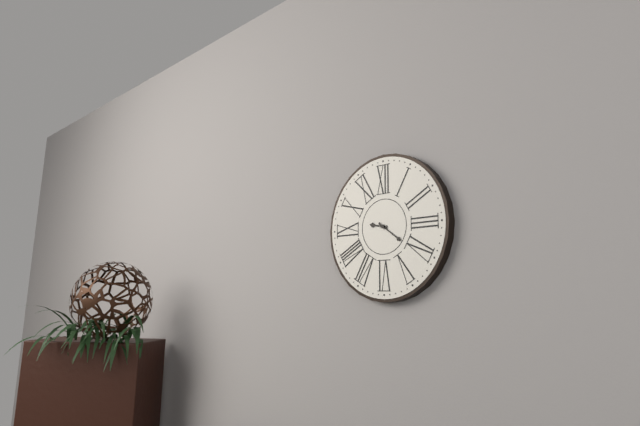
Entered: {"hour": 9, "minute": 21}
